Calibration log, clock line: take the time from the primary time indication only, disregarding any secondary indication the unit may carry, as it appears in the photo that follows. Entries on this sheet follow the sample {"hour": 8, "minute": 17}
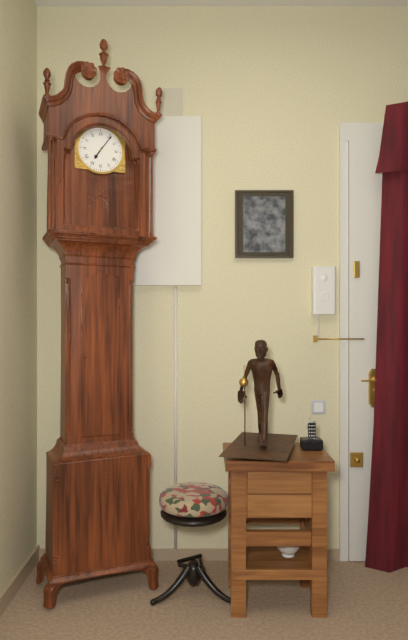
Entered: {"hour": 7, "minute": 6}
